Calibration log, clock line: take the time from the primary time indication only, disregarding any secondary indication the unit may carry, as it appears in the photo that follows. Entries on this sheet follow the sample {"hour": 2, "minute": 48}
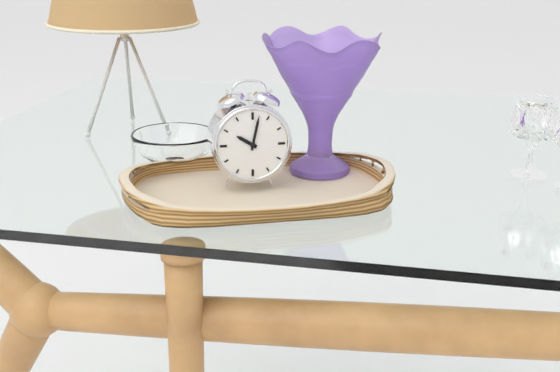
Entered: {"hour": 10, "minute": 2}
